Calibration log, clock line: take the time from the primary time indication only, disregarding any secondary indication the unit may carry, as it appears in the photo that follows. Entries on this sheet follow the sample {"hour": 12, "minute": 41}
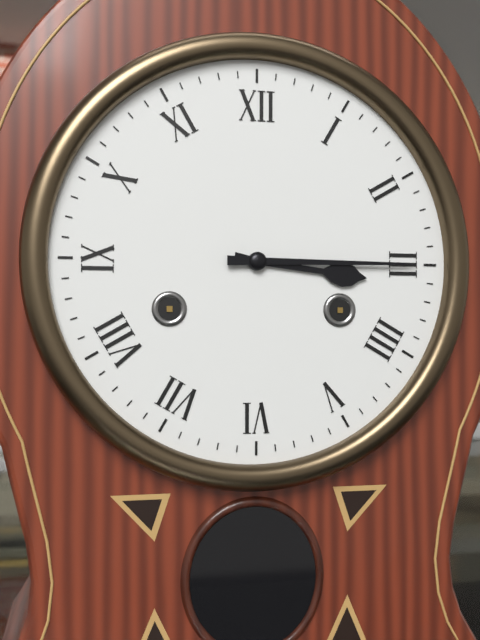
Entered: {"hour": 3, "minute": 15}
